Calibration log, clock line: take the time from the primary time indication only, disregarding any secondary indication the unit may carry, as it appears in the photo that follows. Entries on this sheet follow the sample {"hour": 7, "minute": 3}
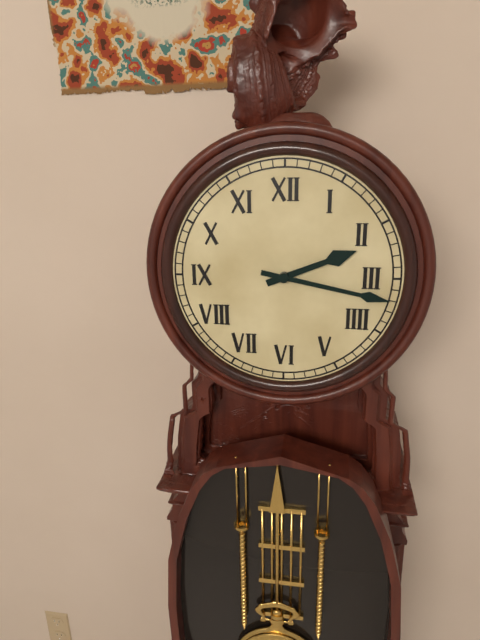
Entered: {"hour": 2, "minute": 17}
